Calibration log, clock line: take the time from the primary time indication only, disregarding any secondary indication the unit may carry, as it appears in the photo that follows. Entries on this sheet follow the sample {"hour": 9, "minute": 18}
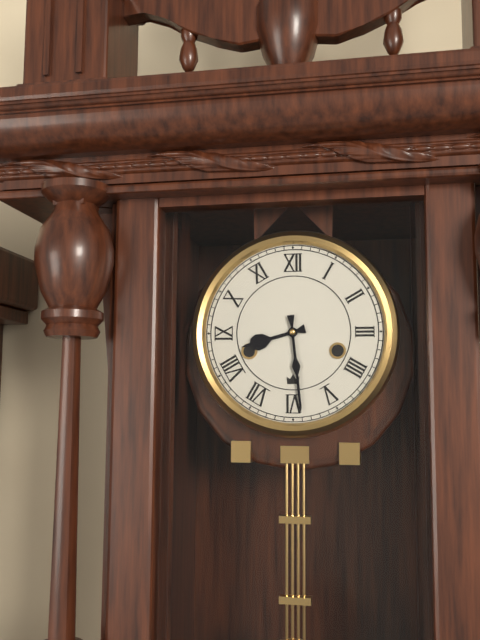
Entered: {"hour": 8, "minute": 29}
